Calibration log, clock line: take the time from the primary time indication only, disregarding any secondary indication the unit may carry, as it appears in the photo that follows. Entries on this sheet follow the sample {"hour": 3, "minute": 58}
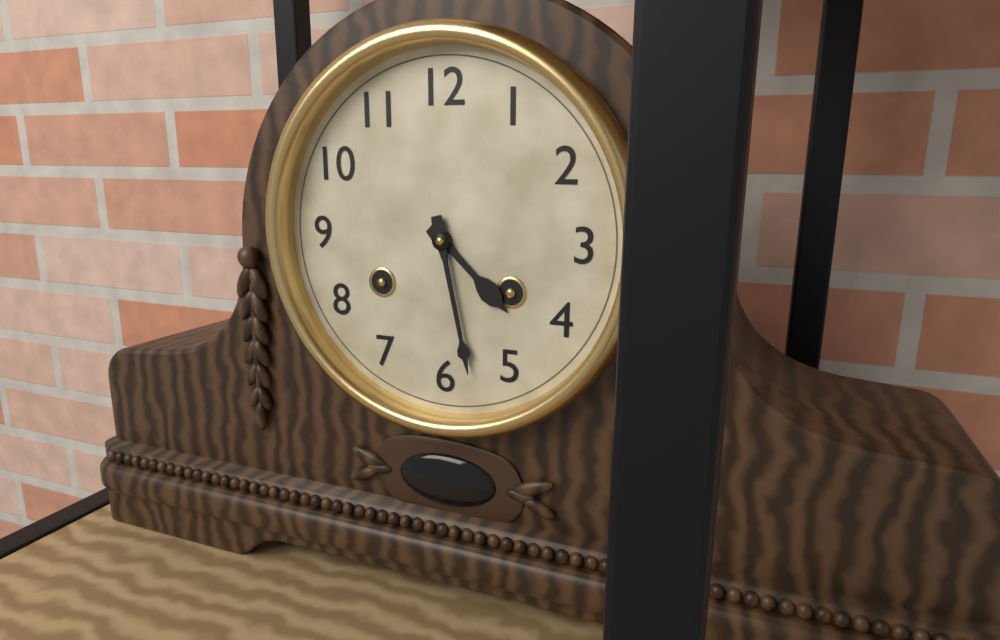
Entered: {"hour": 4, "minute": 28}
